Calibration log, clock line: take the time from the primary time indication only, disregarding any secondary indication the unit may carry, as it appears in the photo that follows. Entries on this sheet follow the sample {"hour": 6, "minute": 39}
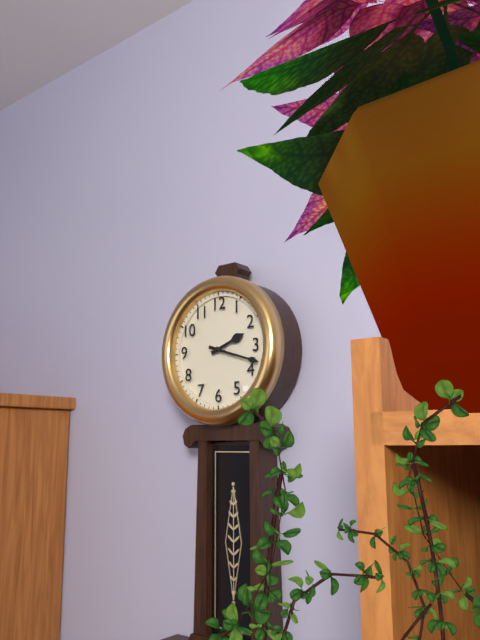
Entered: {"hour": 2, "minute": 18}
